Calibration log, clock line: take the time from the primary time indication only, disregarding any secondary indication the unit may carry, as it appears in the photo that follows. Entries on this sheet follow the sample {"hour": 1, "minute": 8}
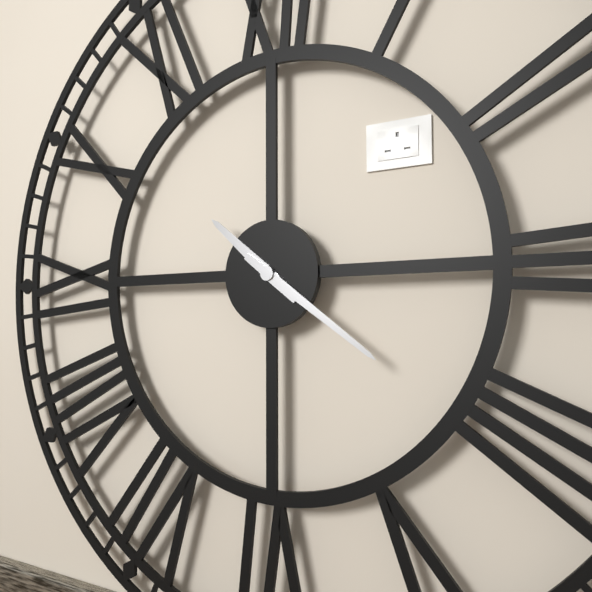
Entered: {"hour": 10, "minute": 21}
